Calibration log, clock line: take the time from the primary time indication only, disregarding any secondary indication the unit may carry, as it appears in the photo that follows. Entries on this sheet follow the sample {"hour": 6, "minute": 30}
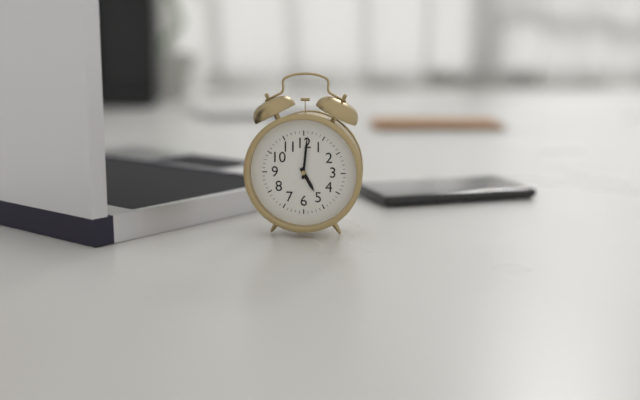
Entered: {"hour": 5, "minute": 1}
